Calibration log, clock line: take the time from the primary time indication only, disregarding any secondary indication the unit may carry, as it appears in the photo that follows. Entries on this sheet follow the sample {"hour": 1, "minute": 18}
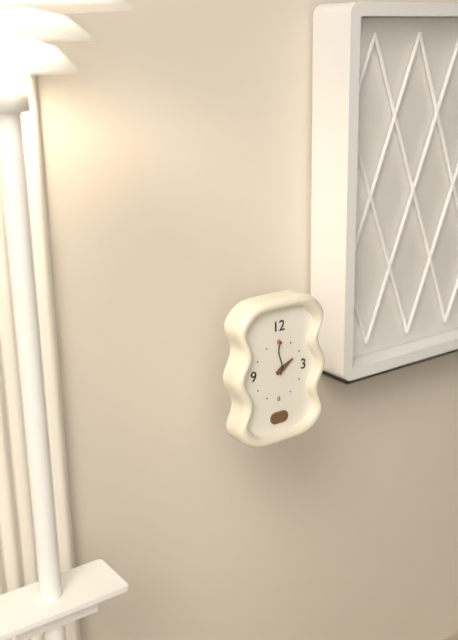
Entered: {"hour": 2, "minute": 0}
